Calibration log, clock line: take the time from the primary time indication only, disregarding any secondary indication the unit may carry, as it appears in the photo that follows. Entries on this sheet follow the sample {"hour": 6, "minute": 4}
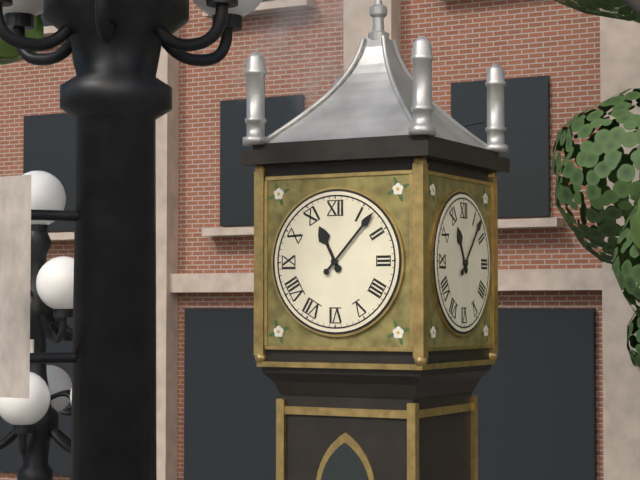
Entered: {"hour": 11, "minute": 7}
